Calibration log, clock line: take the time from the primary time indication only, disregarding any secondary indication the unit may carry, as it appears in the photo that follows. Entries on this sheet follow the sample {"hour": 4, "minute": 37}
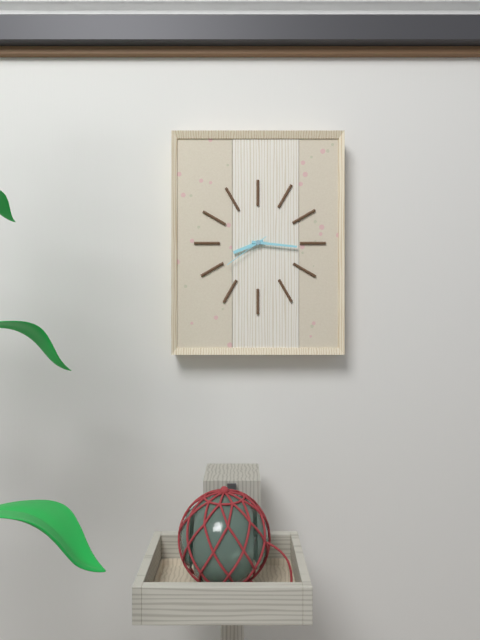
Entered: {"hour": 8, "minute": 16}
